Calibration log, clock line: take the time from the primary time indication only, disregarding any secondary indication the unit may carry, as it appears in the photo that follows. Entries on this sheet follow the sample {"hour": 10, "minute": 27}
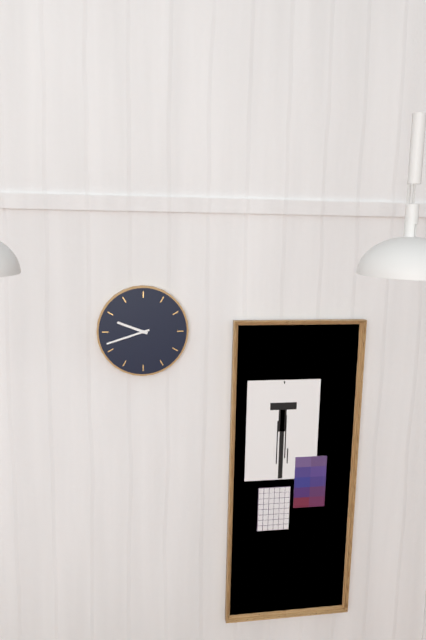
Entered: {"hour": 9, "minute": 42}
